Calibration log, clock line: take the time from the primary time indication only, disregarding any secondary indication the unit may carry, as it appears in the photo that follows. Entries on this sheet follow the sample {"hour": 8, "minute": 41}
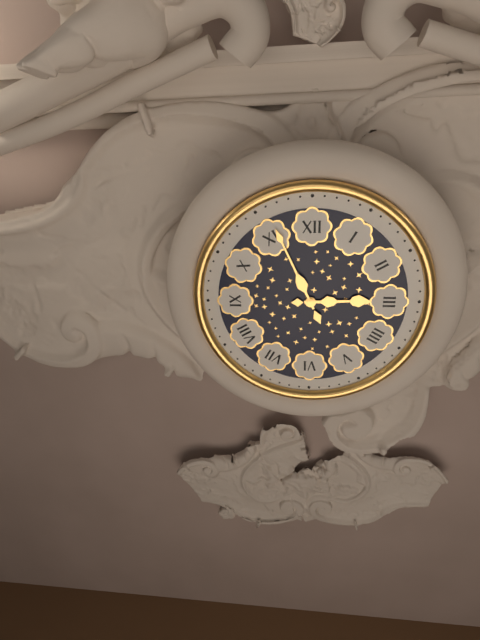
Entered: {"hour": 2, "minute": 56}
